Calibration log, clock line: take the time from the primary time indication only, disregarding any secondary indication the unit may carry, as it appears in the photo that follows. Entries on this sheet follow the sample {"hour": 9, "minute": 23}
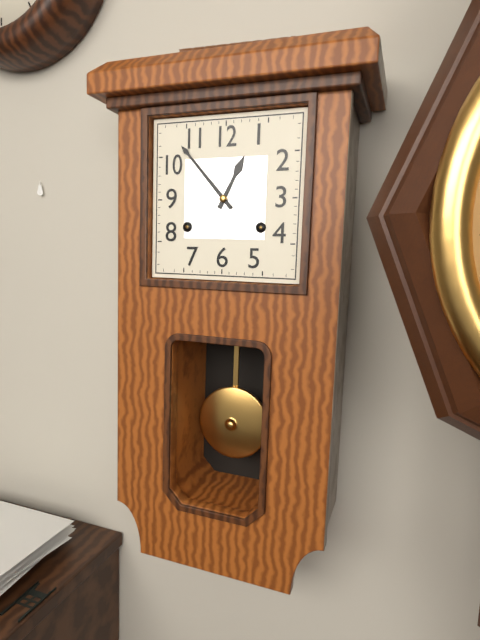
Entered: {"hour": 12, "minute": 53}
